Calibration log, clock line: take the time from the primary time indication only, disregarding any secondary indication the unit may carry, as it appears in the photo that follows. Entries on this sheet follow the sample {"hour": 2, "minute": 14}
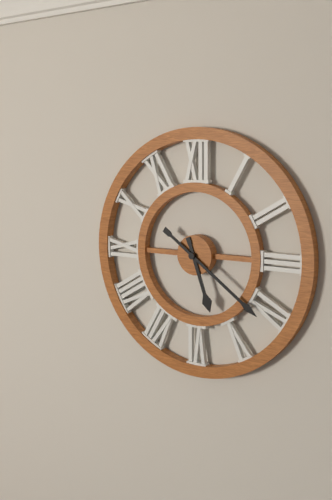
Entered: {"hour": 5, "minute": 21}
